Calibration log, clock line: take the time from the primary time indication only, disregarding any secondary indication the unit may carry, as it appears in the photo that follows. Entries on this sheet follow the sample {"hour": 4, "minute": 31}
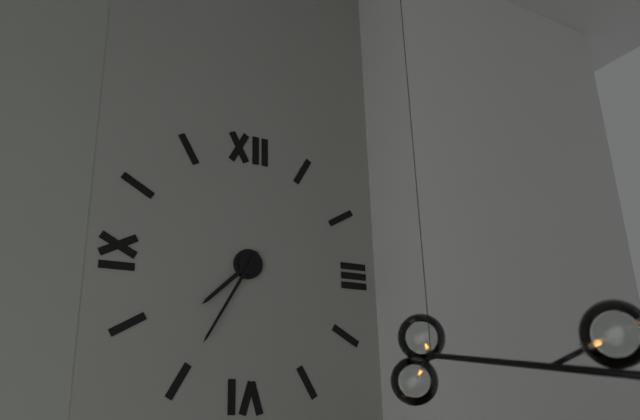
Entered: {"hour": 7, "minute": 35}
